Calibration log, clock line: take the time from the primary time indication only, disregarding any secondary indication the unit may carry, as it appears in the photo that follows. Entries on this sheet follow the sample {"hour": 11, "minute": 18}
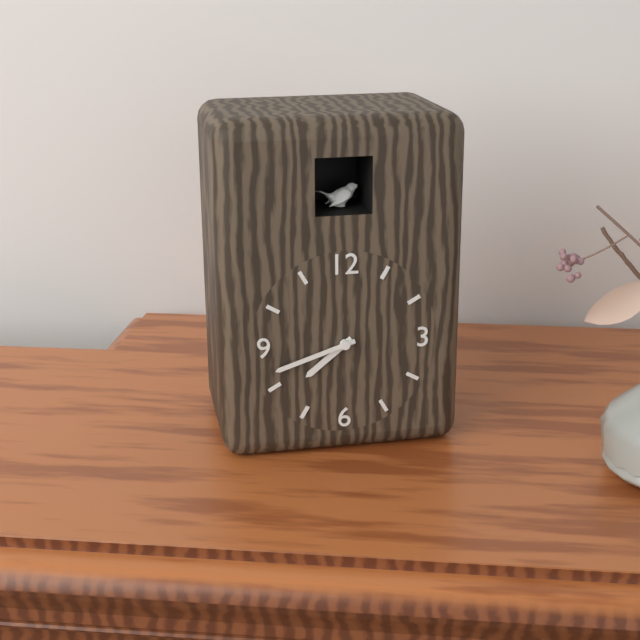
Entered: {"hour": 7, "minute": 42}
